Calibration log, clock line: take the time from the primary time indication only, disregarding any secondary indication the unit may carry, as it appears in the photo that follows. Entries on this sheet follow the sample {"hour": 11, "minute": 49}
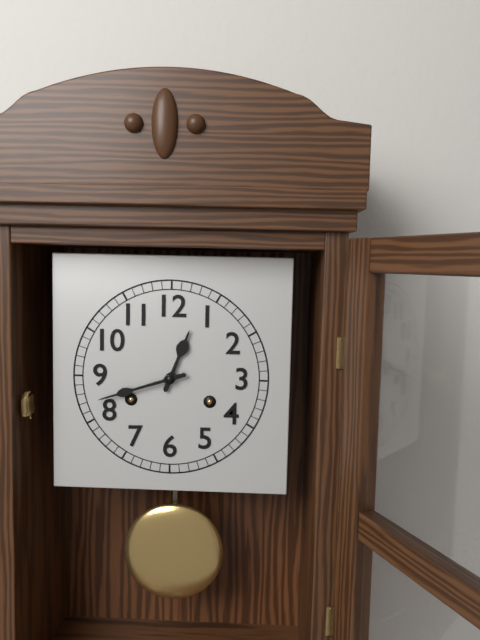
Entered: {"hour": 12, "minute": 42}
